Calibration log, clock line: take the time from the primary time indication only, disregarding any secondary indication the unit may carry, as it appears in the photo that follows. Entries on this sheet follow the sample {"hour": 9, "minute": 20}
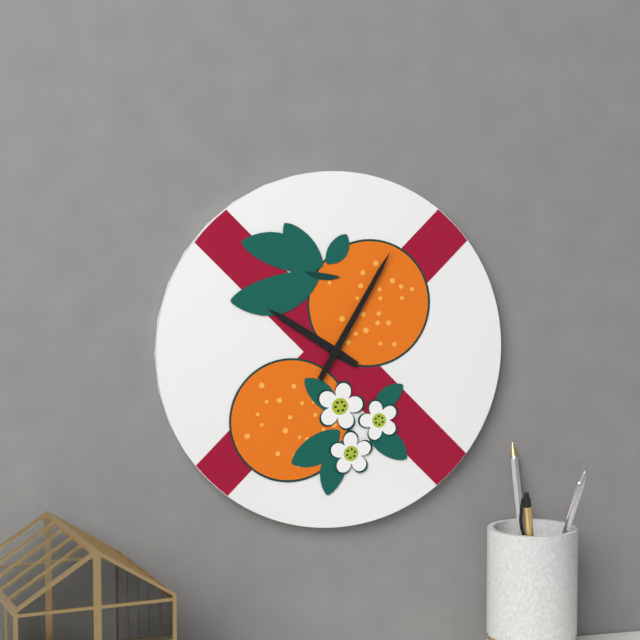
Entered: {"hour": 10, "minute": 5}
